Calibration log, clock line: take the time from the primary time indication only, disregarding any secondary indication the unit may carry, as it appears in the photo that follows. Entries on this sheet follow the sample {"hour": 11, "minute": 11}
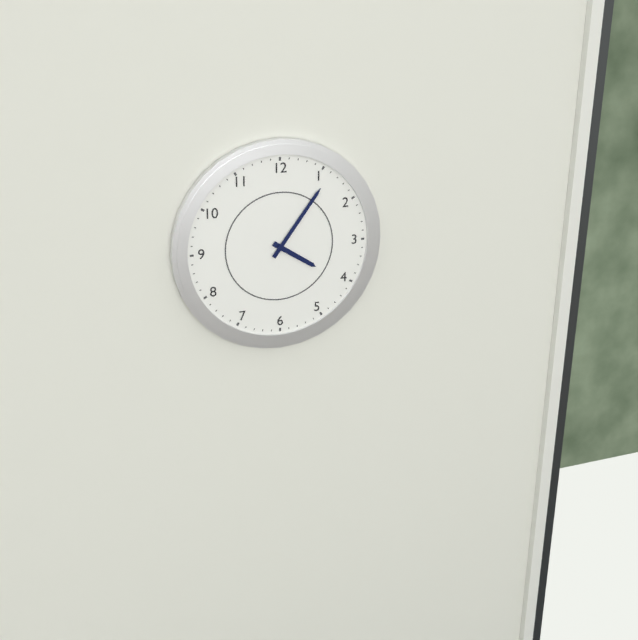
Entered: {"hour": 4, "minute": 6}
